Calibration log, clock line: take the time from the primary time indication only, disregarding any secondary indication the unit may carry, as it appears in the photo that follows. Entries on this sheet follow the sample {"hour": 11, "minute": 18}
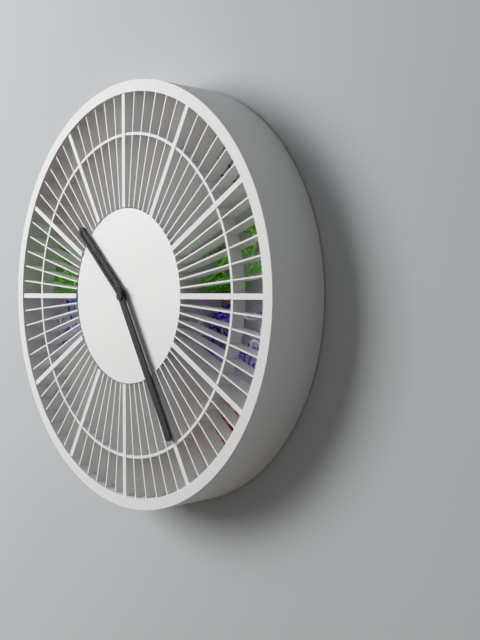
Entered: {"hour": 10, "minute": 25}
